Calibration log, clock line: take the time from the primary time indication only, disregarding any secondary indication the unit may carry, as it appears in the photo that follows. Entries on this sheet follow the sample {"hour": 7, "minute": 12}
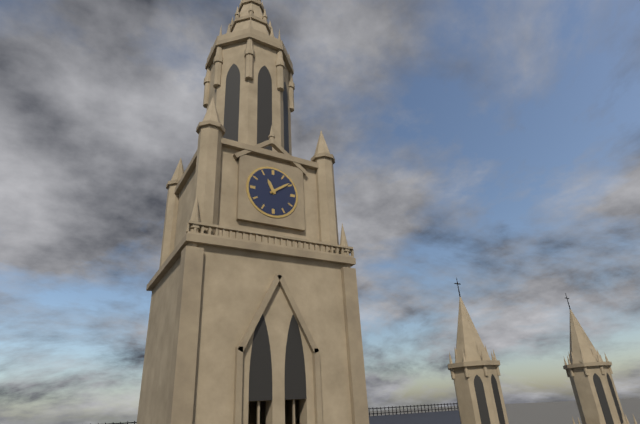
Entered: {"hour": 11, "minute": 9}
